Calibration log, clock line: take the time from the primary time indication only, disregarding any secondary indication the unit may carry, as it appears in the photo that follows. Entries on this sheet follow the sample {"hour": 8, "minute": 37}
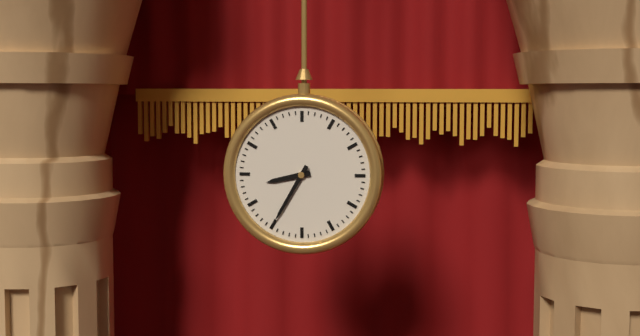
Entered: {"hour": 8, "minute": 35}
